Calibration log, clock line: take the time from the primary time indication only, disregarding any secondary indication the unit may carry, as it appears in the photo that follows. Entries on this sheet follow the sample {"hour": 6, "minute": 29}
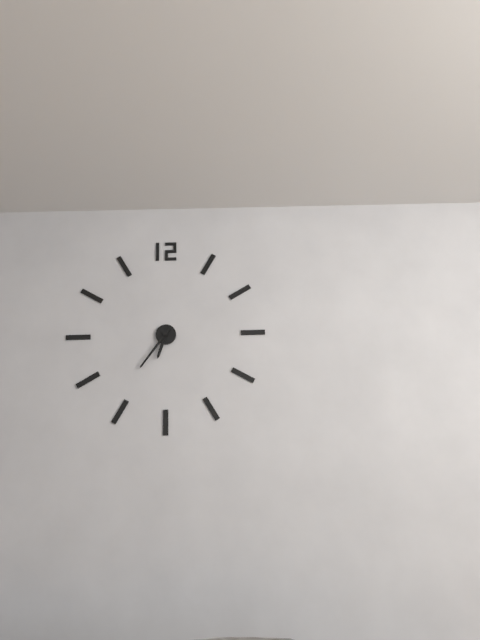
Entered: {"hour": 6, "minute": 36}
